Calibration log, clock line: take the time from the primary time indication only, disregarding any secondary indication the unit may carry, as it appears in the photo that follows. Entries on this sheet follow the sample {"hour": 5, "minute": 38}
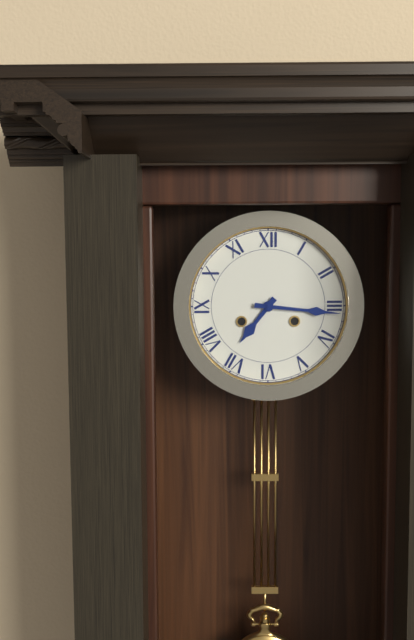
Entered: {"hour": 7, "minute": 16}
